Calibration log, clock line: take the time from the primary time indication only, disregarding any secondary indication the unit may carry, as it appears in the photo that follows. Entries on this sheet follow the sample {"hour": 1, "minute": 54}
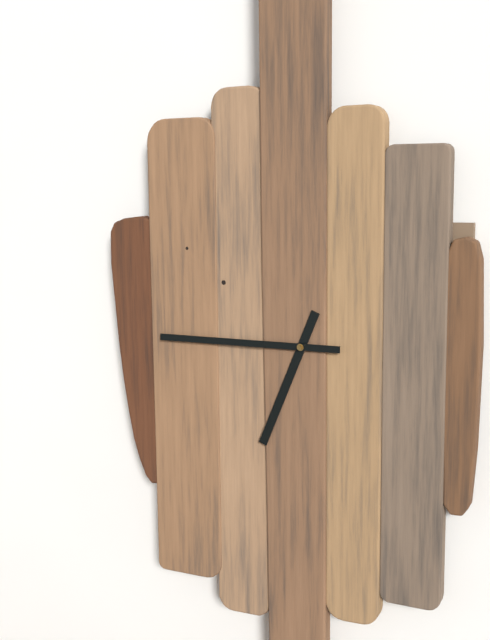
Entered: {"hour": 6, "minute": 45}
